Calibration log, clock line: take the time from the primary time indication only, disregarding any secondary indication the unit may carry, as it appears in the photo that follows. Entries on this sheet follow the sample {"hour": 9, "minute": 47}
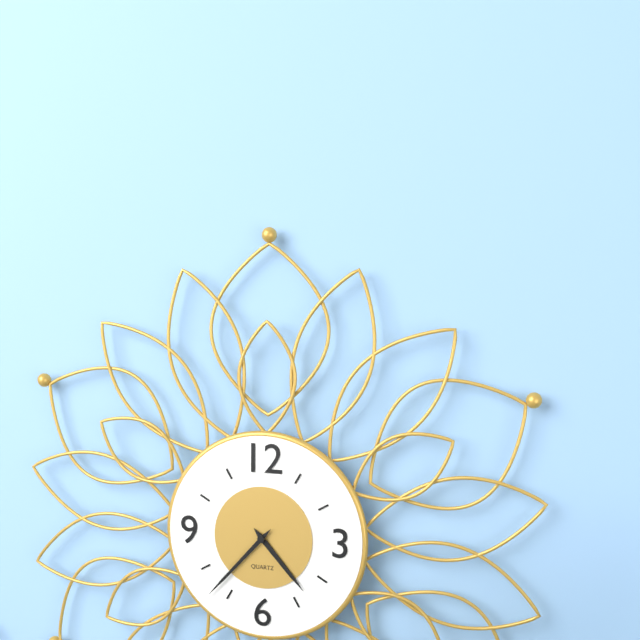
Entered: {"hour": 4, "minute": 37}
